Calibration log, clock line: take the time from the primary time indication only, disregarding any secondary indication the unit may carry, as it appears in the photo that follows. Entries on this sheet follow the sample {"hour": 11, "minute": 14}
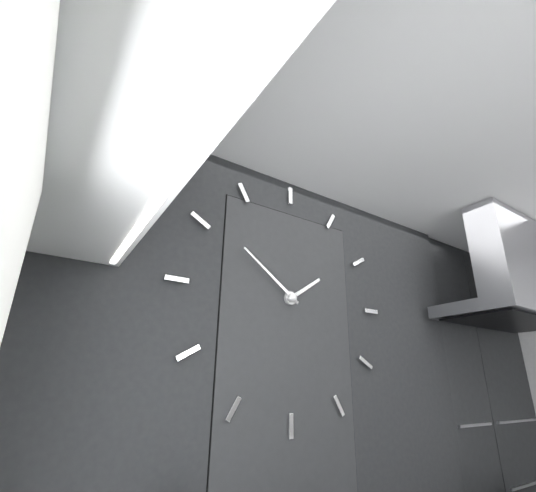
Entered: {"hour": 1, "minute": 51}
